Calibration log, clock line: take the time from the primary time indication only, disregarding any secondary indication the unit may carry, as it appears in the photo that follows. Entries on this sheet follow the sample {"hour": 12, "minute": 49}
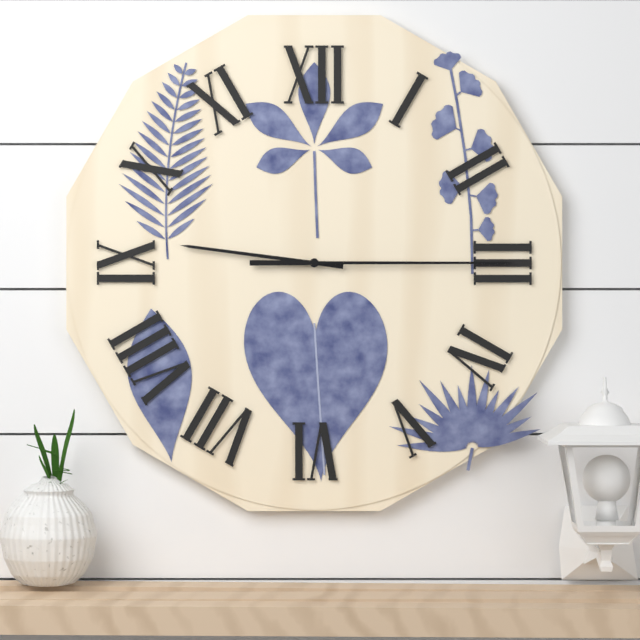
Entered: {"hour": 9, "minute": 15}
